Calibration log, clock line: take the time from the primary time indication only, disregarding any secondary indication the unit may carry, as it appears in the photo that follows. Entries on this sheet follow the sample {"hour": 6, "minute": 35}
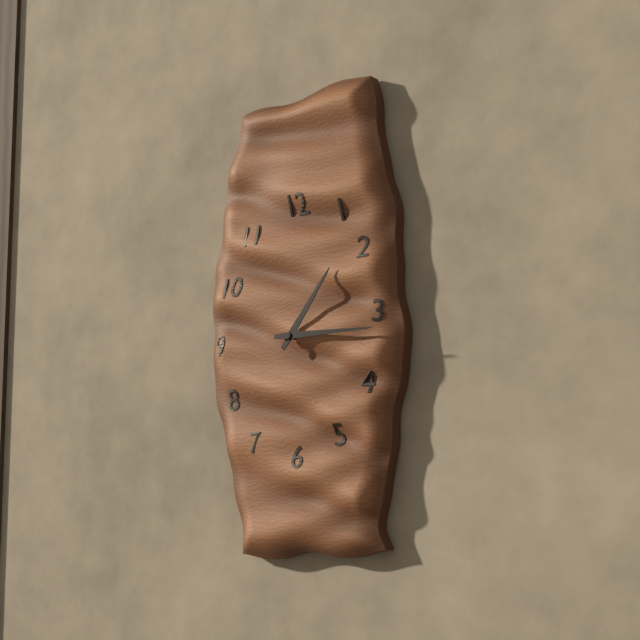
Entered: {"hour": 1, "minute": 15}
